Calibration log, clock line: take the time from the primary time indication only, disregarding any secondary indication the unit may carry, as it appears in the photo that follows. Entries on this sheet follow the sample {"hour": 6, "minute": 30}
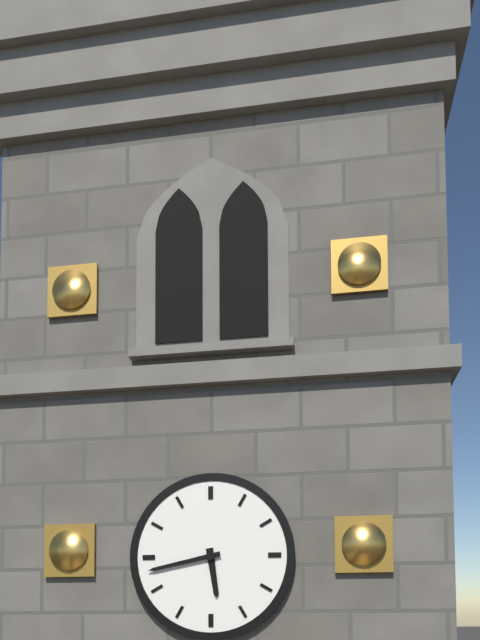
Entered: {"hour": 5, "minute": 43}
